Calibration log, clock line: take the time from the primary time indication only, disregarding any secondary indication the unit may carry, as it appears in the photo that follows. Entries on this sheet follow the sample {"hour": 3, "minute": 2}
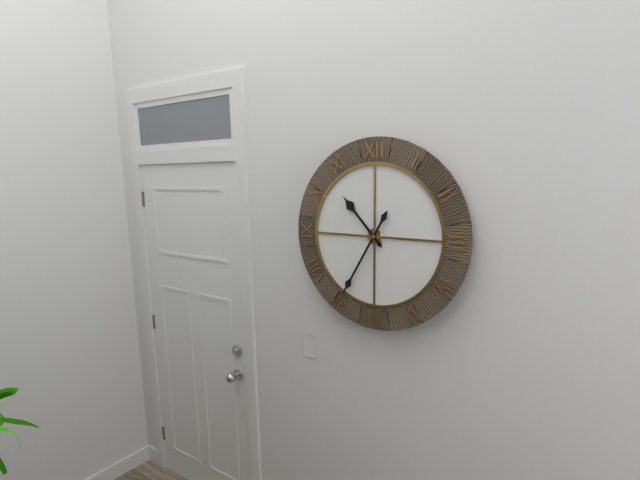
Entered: {"hour": 10, "minute": 35}
